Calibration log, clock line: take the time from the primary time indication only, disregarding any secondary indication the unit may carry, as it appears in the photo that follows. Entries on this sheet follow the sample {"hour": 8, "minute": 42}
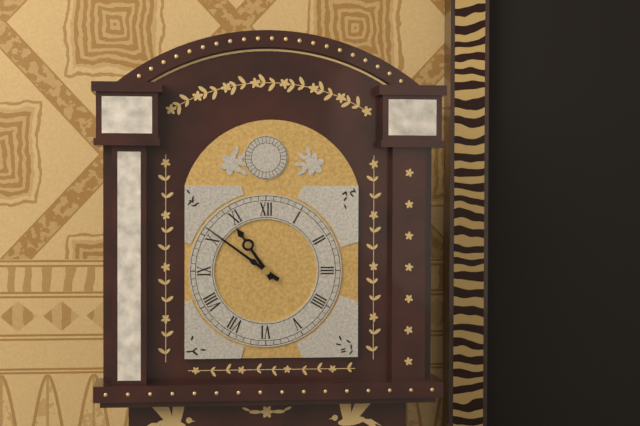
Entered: {"hour": 10, "minute": 51}
